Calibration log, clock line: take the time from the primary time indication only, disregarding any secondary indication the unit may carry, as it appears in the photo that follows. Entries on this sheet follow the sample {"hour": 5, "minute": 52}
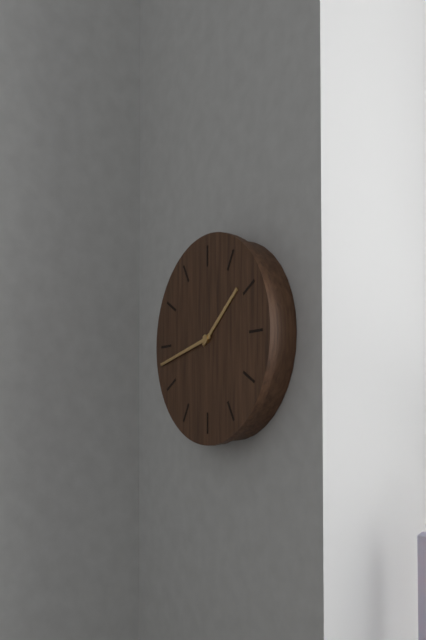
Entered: {"hour": 1, "minute": 43}
